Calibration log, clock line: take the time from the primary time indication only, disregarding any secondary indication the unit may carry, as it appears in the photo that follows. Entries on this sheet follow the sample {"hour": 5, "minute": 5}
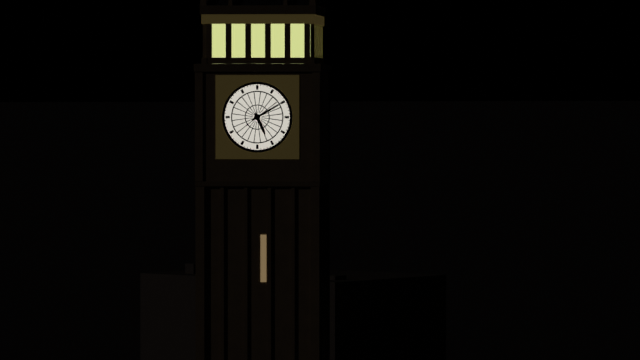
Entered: {"hour": 5, "minute": 10}
